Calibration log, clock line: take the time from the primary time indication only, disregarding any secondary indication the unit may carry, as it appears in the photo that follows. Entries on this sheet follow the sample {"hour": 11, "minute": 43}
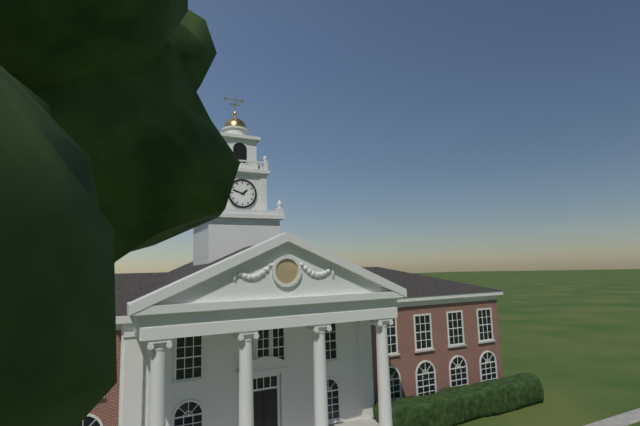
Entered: {"hour": 1, "minute": 48}
